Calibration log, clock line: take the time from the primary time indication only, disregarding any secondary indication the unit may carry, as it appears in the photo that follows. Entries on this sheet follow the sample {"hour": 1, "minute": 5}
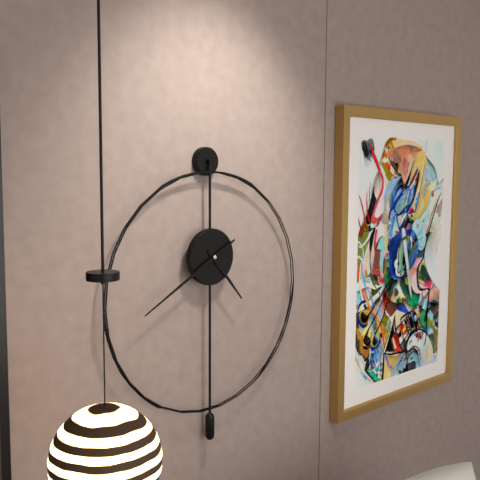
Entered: {"hour": 4, "minute": 40}
